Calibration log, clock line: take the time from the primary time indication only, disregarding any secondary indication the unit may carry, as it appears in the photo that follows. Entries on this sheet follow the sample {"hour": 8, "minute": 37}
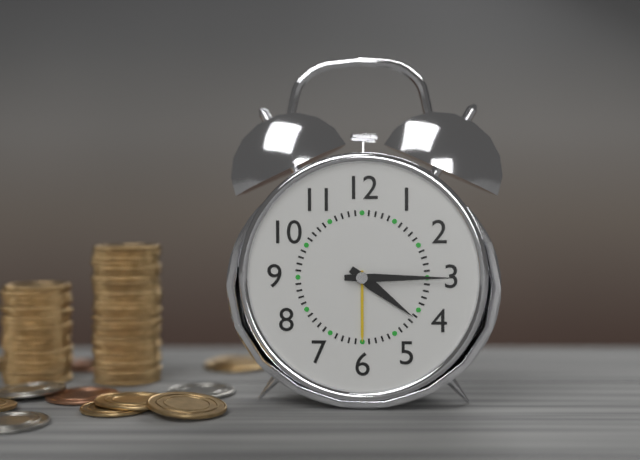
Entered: {"hour": 4, "minute": 15}
